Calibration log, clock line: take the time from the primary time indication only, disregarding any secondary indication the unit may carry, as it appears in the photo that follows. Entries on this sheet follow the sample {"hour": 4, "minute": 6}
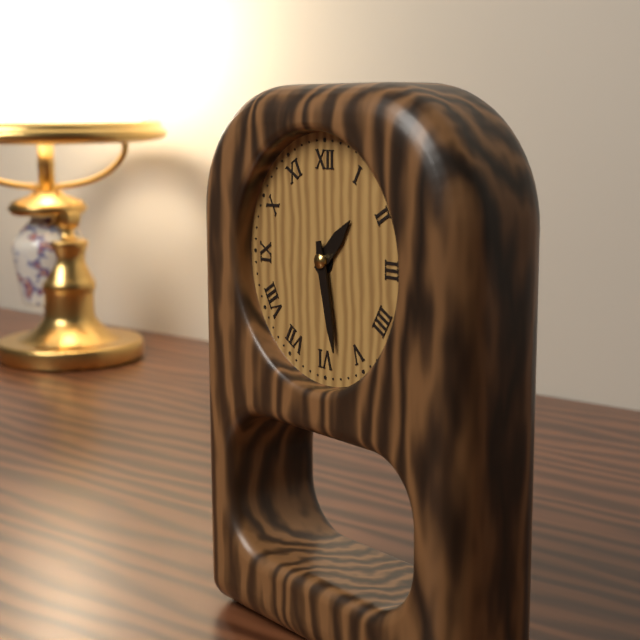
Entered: {"hour": 1, "minute": 28}
